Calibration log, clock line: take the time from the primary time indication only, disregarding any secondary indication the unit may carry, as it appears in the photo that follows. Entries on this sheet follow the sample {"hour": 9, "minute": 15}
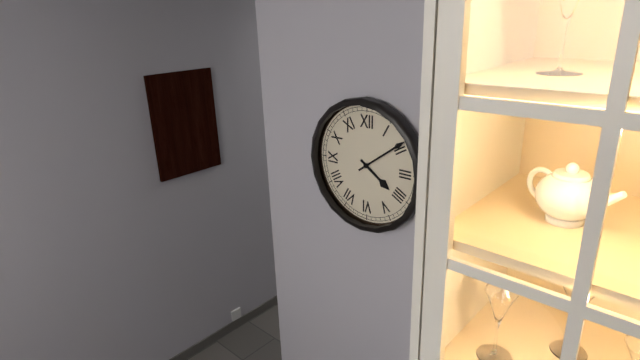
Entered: {"hour": 4, "minute": 9}
